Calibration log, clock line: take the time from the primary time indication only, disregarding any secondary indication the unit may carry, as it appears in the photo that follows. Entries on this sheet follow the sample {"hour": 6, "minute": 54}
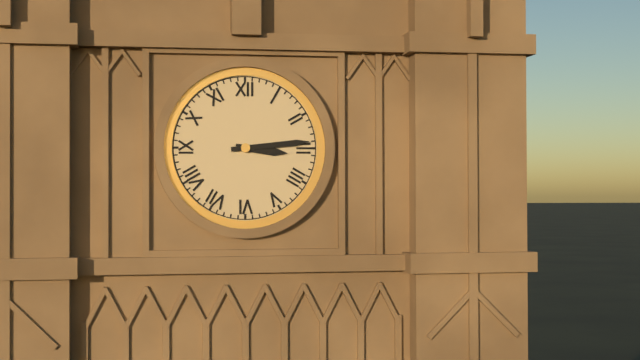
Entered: {"hour": 3, "minute": 14}
